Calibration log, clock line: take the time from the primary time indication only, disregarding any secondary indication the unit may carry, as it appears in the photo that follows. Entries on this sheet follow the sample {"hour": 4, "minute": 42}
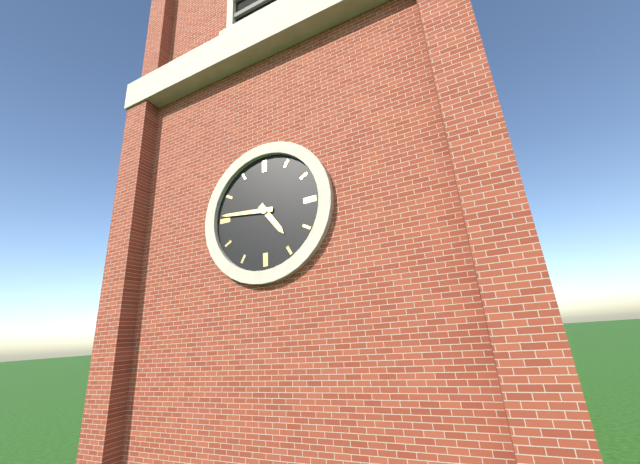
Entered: {"hour": 4, "minute": 46}
